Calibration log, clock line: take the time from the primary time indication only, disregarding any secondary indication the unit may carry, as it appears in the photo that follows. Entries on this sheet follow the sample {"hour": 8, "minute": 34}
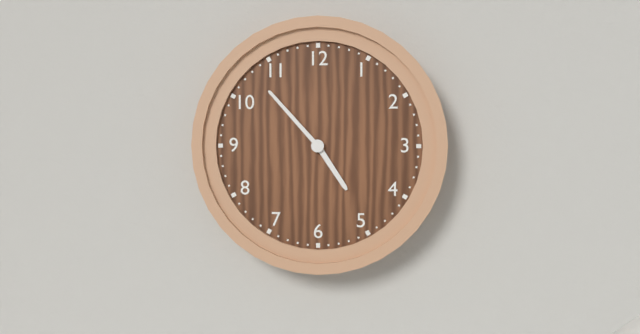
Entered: {"hour": 4, "minute": 53}
